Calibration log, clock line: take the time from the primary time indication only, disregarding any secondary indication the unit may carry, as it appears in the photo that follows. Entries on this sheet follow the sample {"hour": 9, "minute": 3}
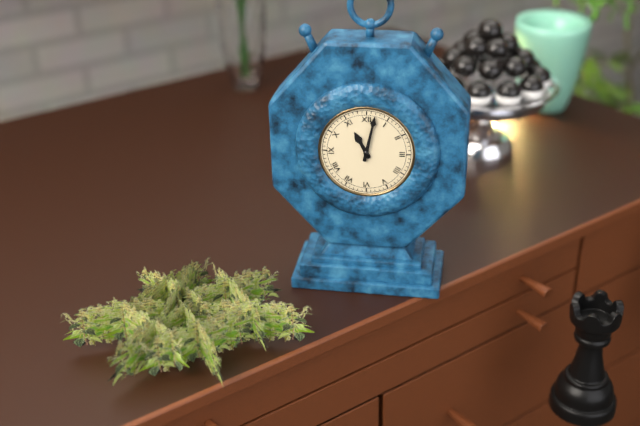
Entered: {"hour": 11, "minute": 2}
